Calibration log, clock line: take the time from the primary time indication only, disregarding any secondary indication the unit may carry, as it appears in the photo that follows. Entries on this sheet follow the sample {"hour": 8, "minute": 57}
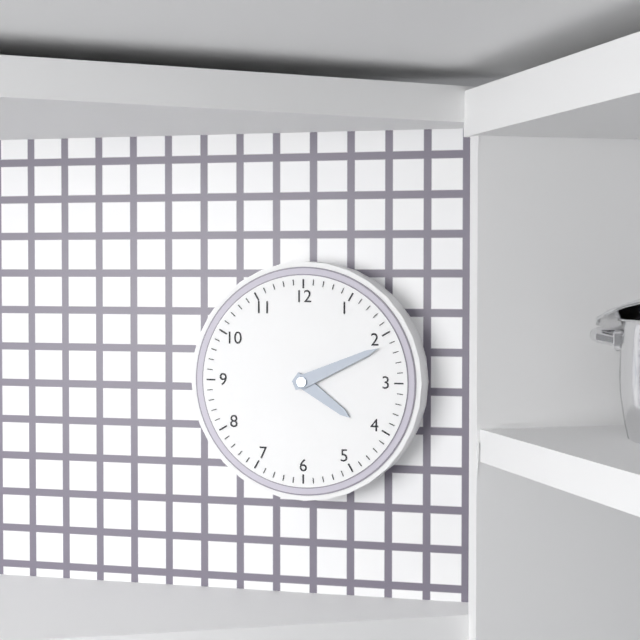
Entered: {"hour": 4, "minute": 11}
